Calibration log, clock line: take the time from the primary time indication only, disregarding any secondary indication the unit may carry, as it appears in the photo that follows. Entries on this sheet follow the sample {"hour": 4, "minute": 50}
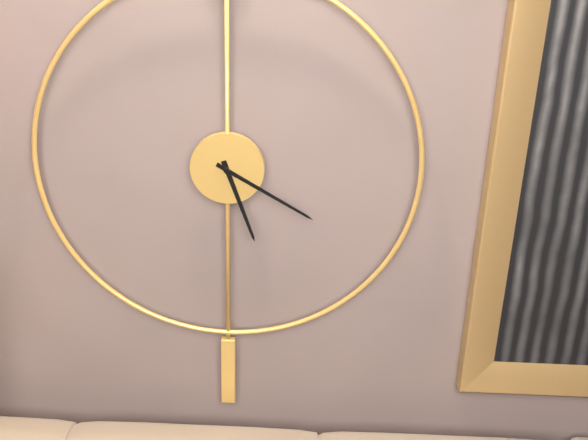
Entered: {"hour": 5, "minute": 20}
